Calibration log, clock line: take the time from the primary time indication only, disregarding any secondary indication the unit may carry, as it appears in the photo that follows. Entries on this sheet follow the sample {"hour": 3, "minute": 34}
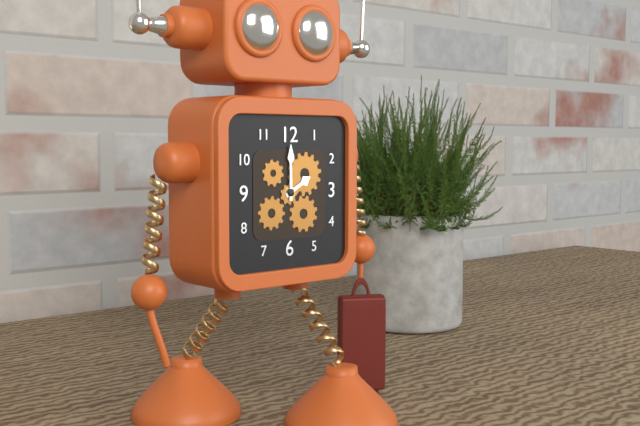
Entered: {"hour": 2, "minute": 0}
